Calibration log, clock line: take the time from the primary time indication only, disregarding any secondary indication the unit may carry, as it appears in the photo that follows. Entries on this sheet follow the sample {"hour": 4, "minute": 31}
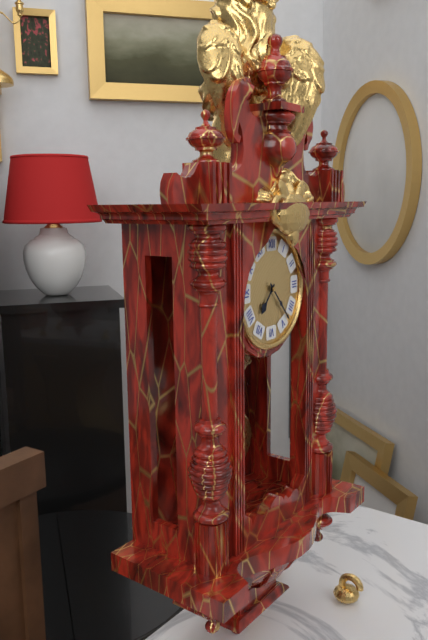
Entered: {"hour": 7, "minute": 23}
